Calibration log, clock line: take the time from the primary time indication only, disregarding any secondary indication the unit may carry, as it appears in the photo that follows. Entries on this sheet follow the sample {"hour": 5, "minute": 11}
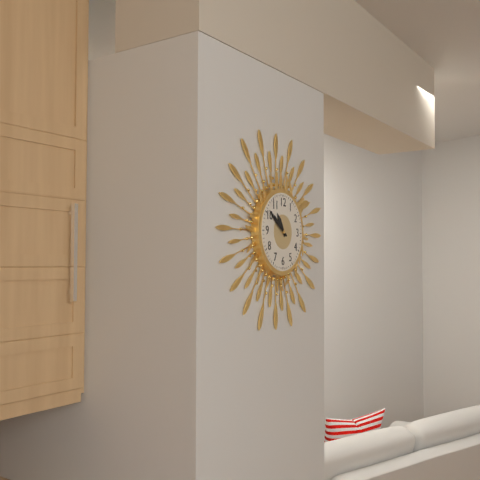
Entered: {"hour": 10, "minute": 51}
